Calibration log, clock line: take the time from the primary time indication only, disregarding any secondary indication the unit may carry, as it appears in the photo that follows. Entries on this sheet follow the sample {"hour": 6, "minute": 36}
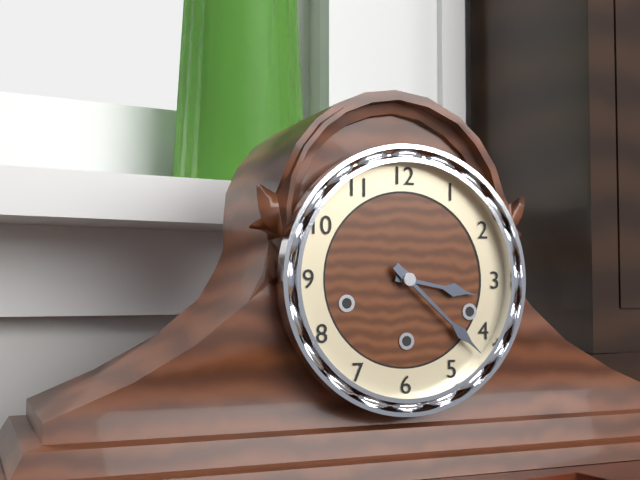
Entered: {"hour": 3, "minute": 22}
